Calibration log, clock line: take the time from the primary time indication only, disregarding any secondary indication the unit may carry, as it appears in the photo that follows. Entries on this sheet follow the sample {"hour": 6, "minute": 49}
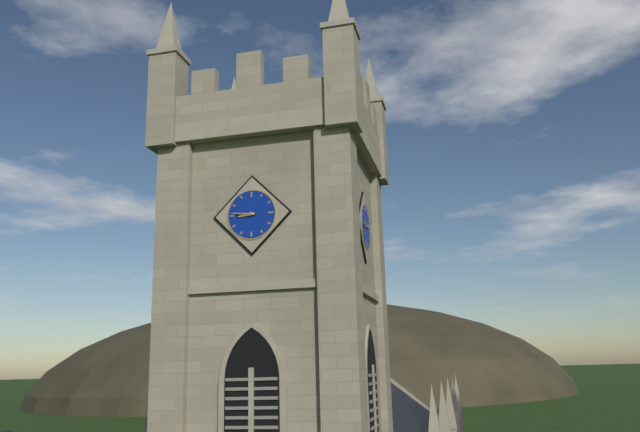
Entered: {"hour": 8, "minute": 46}
